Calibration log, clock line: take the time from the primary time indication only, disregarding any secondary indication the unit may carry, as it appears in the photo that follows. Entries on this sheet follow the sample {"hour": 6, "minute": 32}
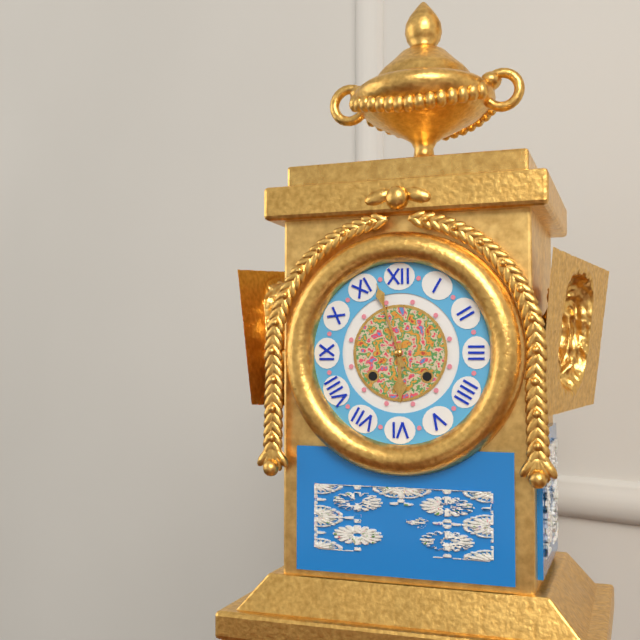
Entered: {"hour": 5, "minute": 57}
